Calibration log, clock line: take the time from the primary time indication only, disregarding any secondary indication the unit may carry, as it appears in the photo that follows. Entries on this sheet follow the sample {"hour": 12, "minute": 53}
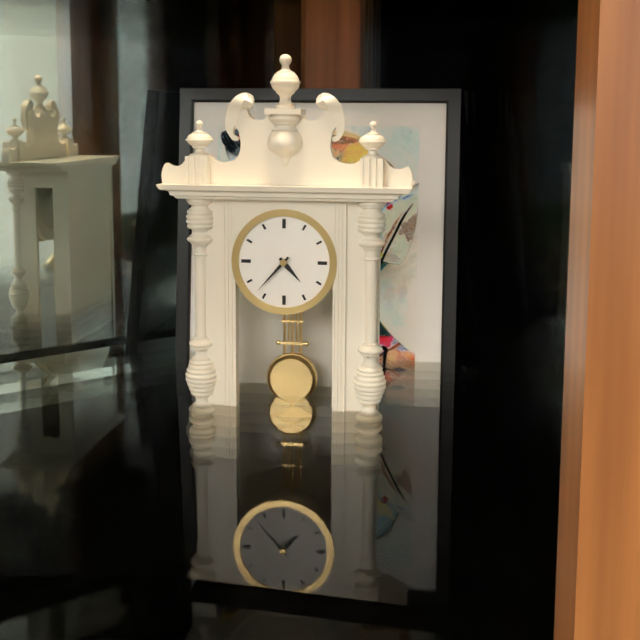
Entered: {"hour": 4, "minute": 37}
